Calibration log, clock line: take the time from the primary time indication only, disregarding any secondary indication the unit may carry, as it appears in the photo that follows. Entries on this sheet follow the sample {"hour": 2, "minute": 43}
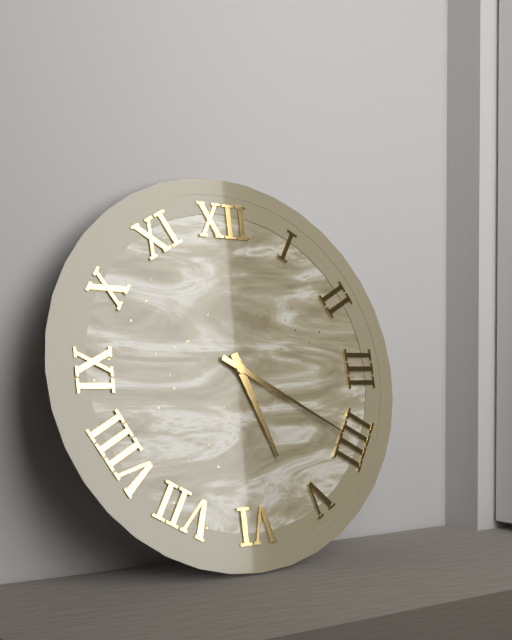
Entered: {"hour": 5, "minute": 20}
